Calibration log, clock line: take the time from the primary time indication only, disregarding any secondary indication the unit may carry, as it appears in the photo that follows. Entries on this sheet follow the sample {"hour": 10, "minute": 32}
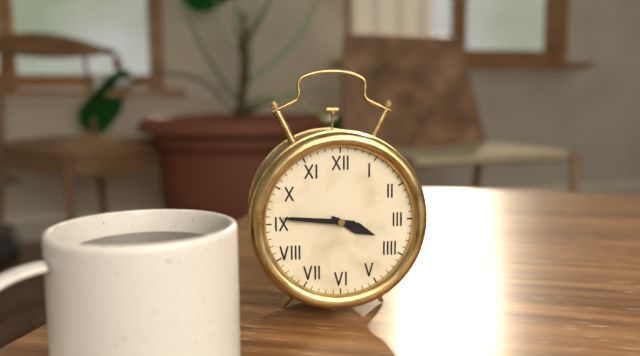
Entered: {"hour": 3, "minute": 46}
